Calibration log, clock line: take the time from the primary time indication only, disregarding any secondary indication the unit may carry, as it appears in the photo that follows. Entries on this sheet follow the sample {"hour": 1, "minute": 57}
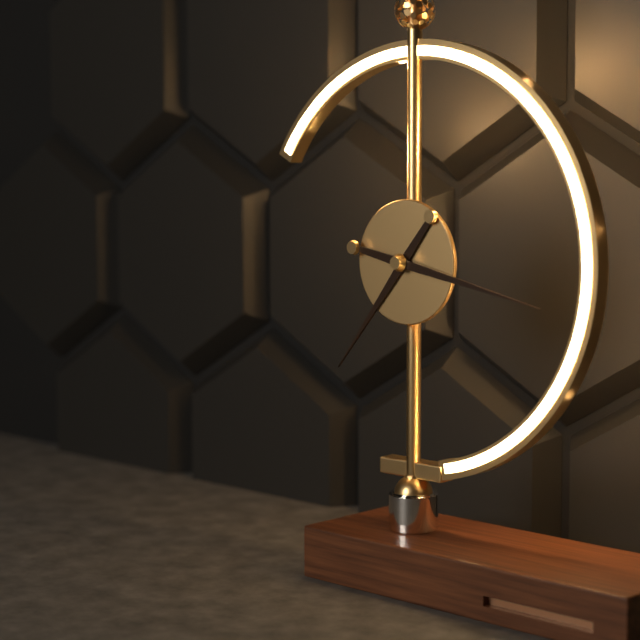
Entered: {"hour": 7, "minute": 17}
